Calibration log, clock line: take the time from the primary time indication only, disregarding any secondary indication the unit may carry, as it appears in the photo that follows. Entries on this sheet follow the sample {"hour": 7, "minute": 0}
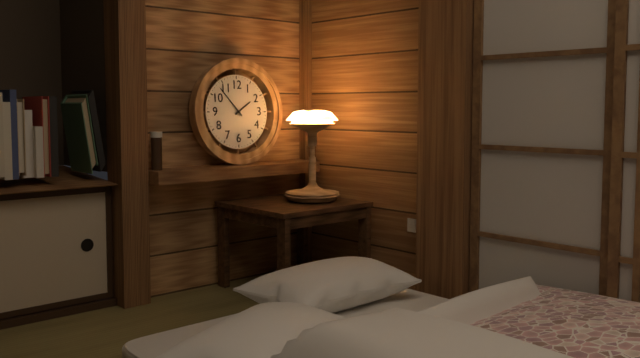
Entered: {"hour": 1, "minute": 53}
